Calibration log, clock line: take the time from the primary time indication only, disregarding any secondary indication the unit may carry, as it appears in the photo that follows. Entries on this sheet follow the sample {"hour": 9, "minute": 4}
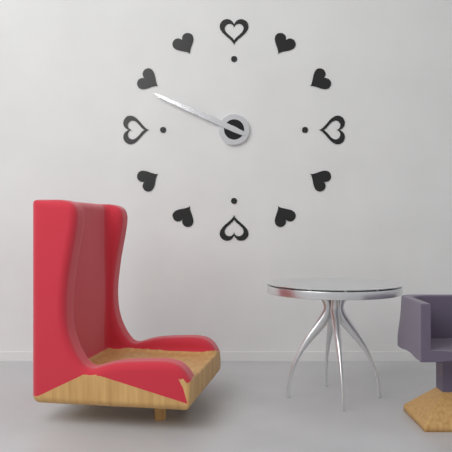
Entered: {"hour": 9, "minute": 49}
